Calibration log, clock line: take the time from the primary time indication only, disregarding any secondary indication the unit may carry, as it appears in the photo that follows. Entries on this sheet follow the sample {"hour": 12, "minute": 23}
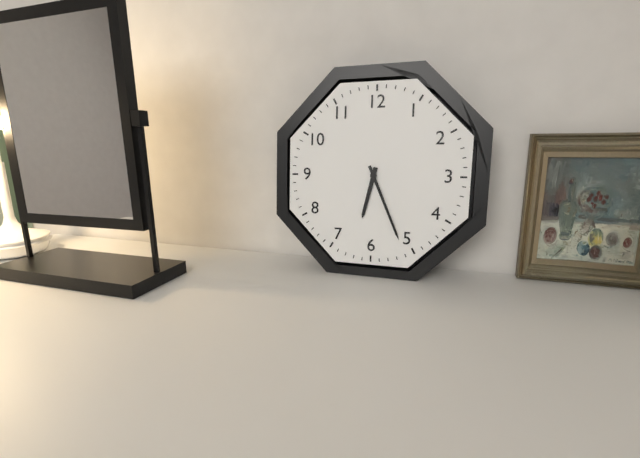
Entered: {"hour": 6, "minute": 26}
